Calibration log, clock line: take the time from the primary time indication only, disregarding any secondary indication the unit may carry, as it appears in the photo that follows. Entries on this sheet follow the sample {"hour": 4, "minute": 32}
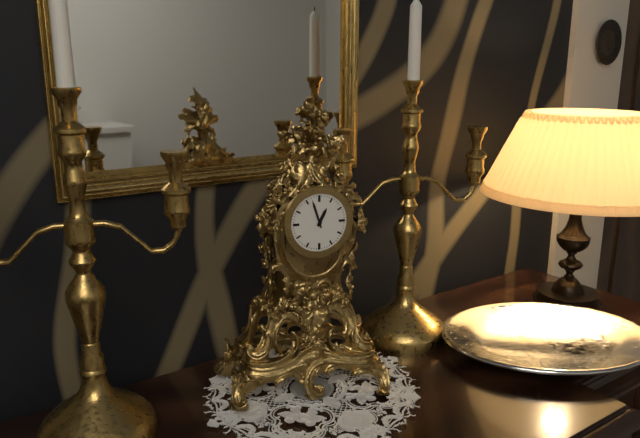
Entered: {"hour": 12, "minute": 57}
